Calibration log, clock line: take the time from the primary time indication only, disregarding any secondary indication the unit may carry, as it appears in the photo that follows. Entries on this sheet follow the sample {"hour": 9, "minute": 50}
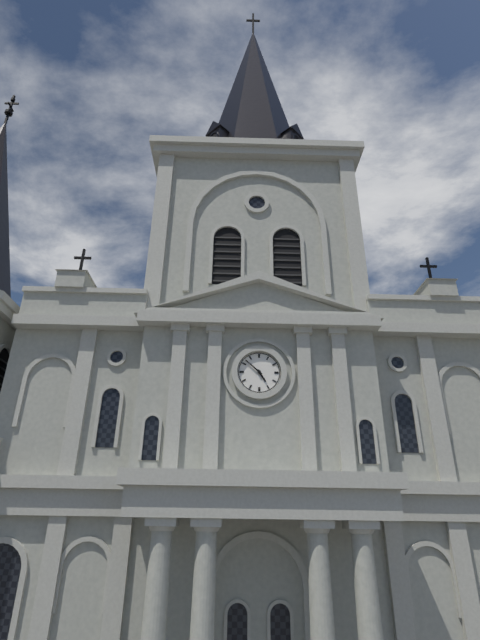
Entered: {"hour": 4, "minute": 52}
